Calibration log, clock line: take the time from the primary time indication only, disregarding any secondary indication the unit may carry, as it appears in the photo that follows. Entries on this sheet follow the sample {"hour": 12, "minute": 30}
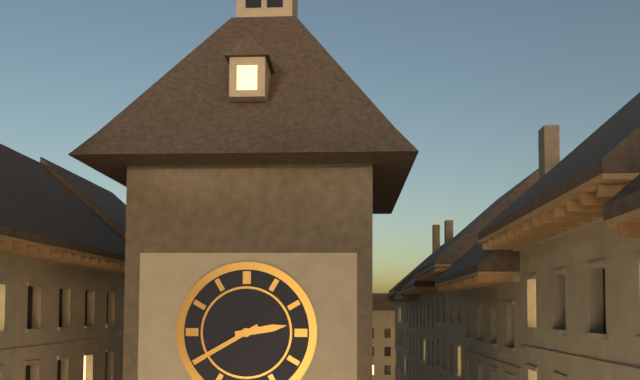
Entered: {"hour": 2, "minute": 40}
